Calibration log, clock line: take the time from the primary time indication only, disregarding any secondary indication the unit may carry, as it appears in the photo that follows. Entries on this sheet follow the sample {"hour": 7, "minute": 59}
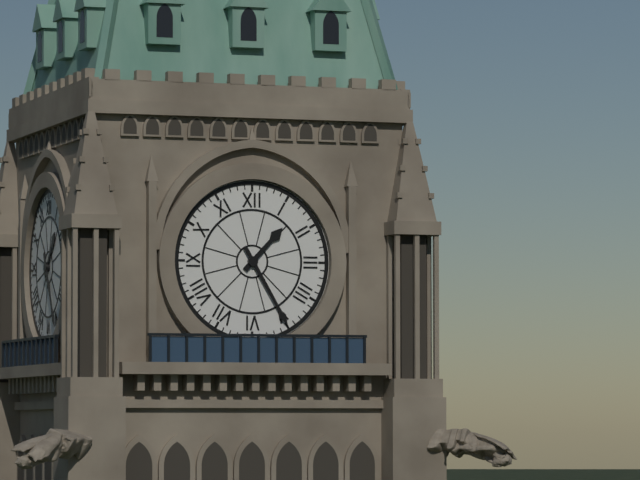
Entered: {"hour": 1, "minute": 25}
